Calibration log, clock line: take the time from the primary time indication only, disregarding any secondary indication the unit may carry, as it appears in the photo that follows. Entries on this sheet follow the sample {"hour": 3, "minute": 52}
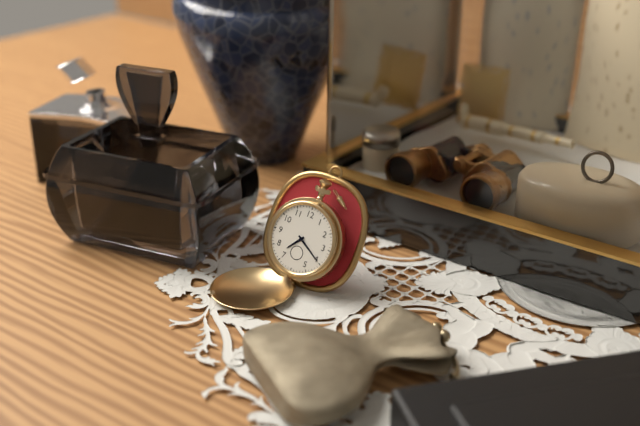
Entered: {"hour": 7, "minute": 20}
